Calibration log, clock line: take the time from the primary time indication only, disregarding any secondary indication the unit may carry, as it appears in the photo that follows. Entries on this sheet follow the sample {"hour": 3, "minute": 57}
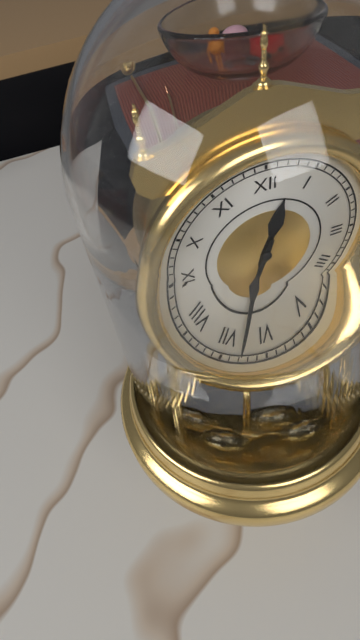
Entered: {"hour": 12, "minute": 33}
